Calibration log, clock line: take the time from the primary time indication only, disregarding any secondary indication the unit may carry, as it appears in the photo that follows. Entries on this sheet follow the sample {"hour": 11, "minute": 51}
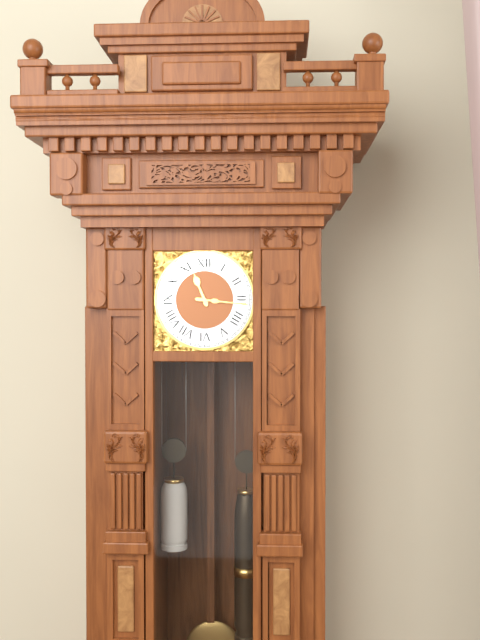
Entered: {"hour": 11, "minute": 16}
